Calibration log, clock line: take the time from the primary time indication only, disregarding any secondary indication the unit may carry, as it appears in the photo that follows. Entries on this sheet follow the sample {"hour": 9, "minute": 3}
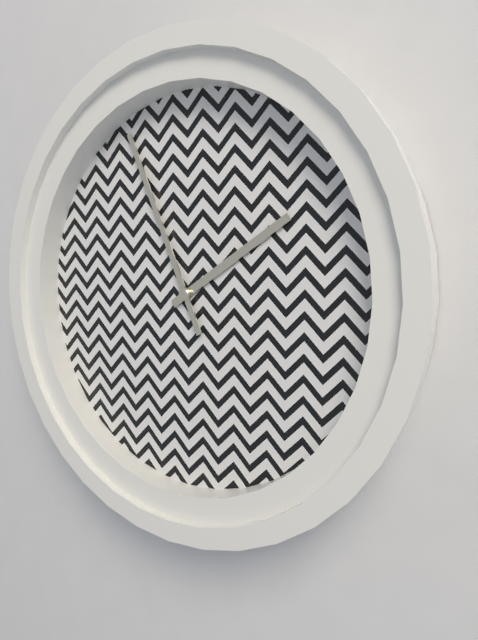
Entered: {"hour": 1, "minute": 56}
